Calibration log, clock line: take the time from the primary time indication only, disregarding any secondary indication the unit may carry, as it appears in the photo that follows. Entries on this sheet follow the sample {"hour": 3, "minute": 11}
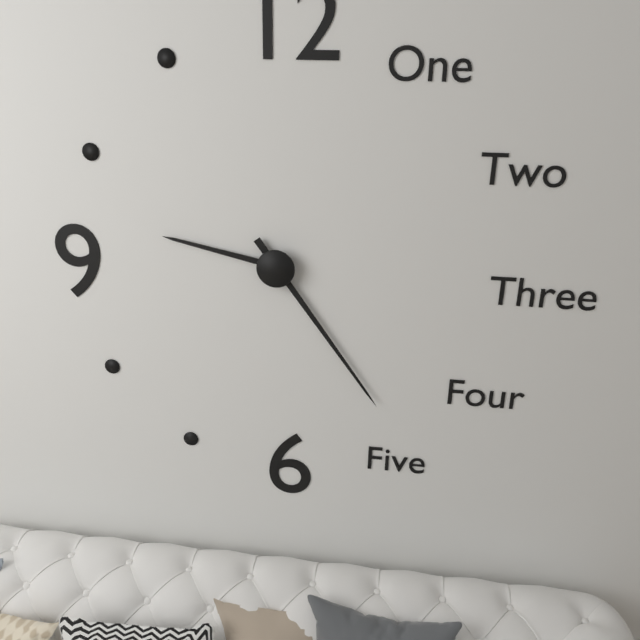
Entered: {"hour": 9, "minute": 24}
